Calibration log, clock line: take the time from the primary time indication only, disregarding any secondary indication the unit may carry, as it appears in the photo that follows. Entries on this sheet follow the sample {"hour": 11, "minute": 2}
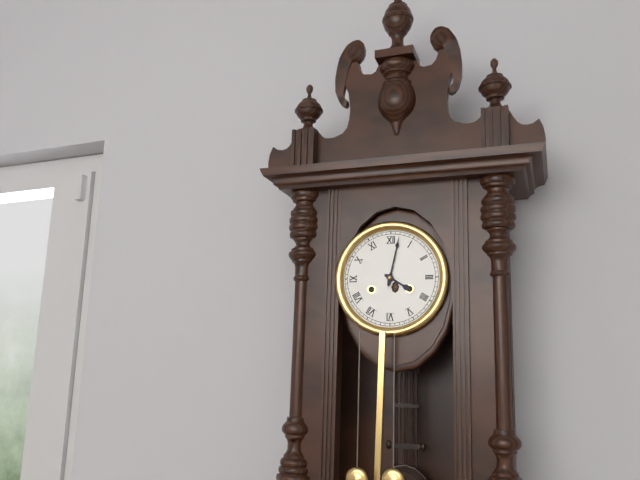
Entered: {"hour": 4, "minute": 2}
